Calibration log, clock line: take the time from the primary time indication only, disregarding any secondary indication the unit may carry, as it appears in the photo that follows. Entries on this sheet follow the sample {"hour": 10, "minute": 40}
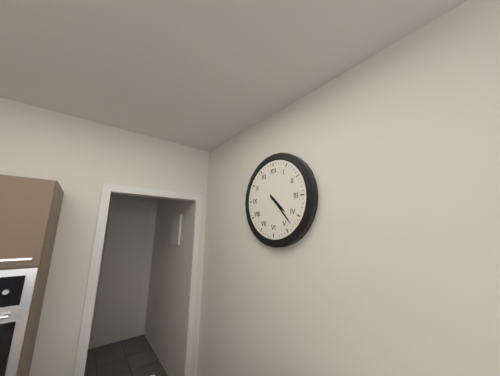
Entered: {"hour": 4, "minute": 23}
